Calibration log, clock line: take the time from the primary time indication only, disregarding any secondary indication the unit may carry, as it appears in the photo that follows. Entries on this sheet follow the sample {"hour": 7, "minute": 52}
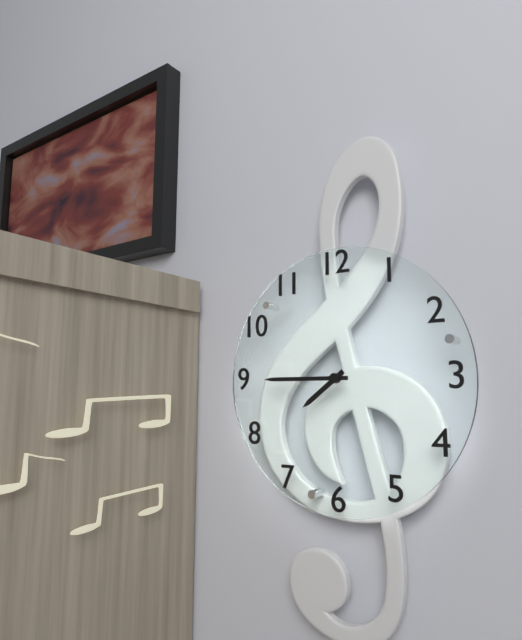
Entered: {"hour": 7, "minute": 45}
